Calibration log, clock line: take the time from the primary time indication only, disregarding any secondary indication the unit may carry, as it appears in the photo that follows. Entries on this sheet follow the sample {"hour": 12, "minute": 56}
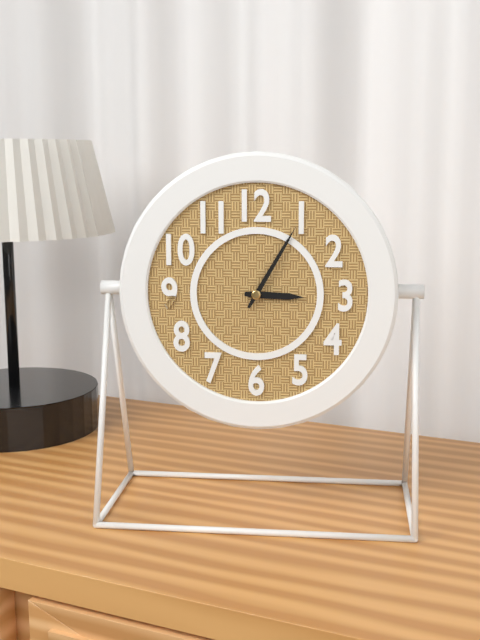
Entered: {"hour": 3, "minute": 5}
